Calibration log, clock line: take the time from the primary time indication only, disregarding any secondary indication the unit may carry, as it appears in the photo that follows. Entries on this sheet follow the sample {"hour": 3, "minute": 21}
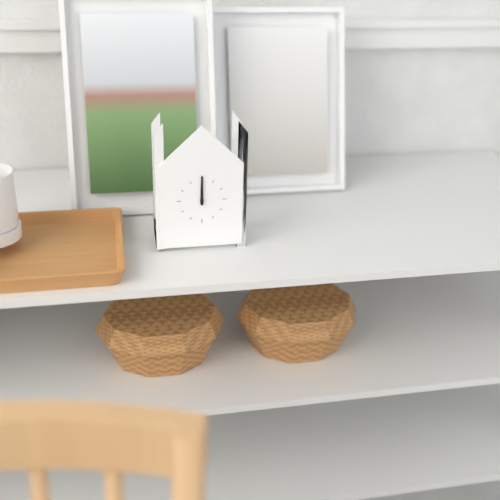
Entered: {"hour": 12, "minute": 0}
